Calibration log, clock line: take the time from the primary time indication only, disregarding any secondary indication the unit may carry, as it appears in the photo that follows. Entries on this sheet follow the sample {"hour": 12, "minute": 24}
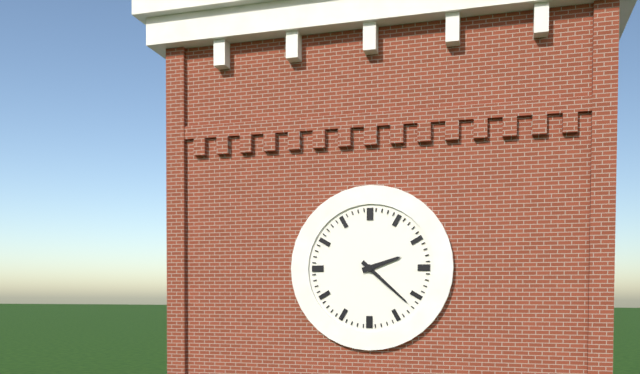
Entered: {"hour": 2, "minute": 22}
